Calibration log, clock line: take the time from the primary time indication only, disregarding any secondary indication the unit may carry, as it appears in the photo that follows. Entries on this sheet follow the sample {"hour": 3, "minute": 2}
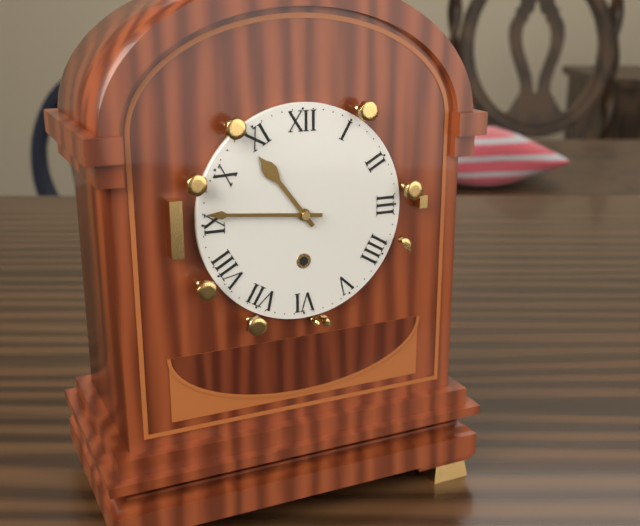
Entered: {"hour": 10, "minute": 46}
